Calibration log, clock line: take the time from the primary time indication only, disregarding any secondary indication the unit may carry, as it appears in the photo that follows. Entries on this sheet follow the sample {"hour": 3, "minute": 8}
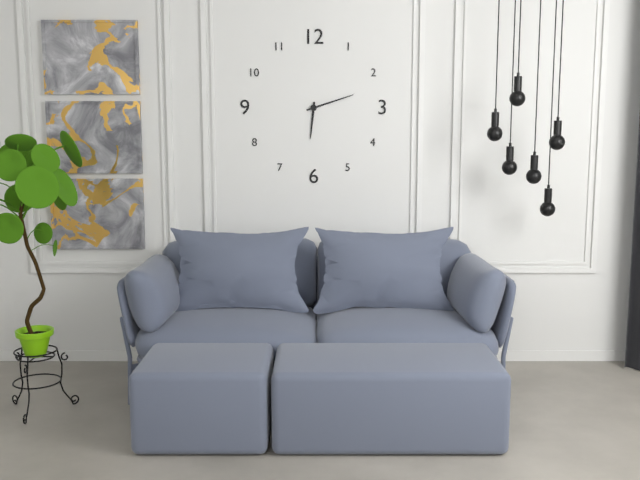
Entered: {"hour": 6, "minute": 12}
